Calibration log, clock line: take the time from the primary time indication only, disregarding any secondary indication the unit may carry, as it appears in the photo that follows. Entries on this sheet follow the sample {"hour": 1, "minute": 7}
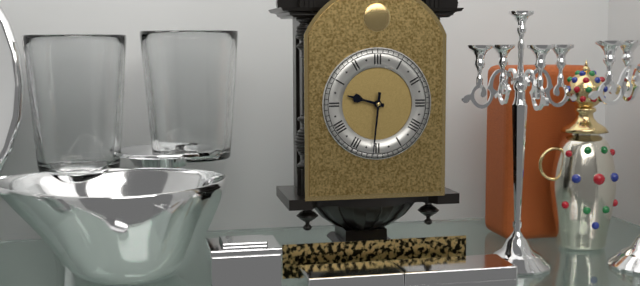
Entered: {"hour": 9, "minute": 31}
